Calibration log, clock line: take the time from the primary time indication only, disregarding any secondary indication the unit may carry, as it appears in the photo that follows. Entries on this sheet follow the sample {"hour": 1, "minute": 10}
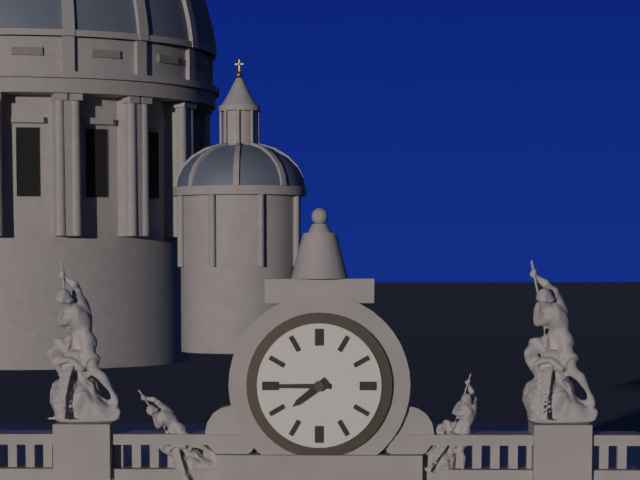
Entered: {"hour": 7, "minute": 45}
